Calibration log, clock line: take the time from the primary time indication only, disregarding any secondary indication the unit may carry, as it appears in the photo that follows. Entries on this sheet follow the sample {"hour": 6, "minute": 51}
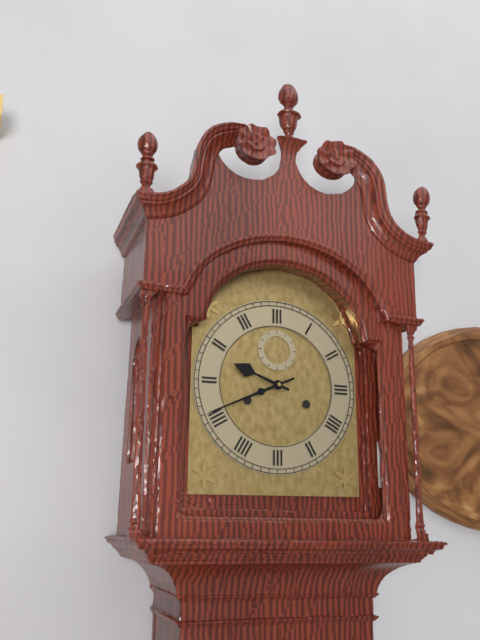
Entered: {"hour": 9, "minute": 41}
